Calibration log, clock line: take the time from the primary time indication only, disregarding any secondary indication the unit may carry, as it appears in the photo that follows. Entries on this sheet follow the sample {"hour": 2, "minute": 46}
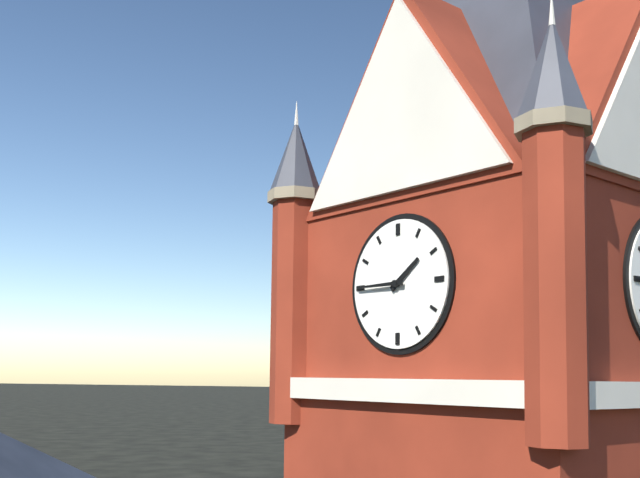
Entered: {"hour": 1, "minute": 45}
